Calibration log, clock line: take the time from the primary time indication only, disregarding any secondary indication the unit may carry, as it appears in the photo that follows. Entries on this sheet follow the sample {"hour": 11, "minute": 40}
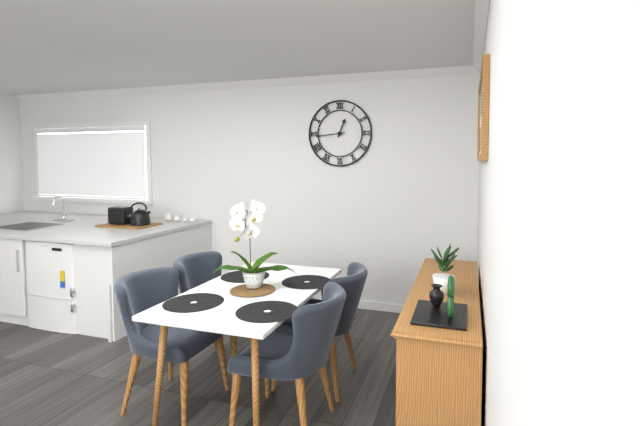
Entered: {"hour": 12, "minute": 44}
